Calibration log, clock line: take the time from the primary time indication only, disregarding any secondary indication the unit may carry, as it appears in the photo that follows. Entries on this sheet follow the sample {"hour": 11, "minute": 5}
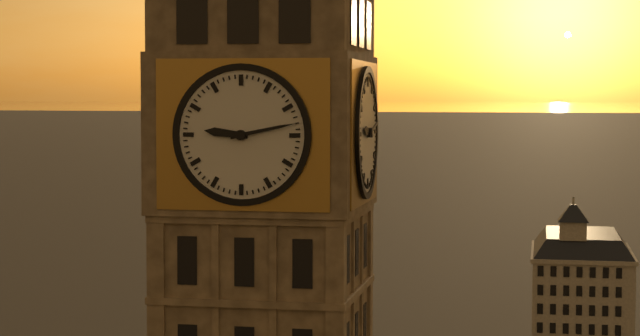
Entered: {"hour": 9, "minute": 13}
